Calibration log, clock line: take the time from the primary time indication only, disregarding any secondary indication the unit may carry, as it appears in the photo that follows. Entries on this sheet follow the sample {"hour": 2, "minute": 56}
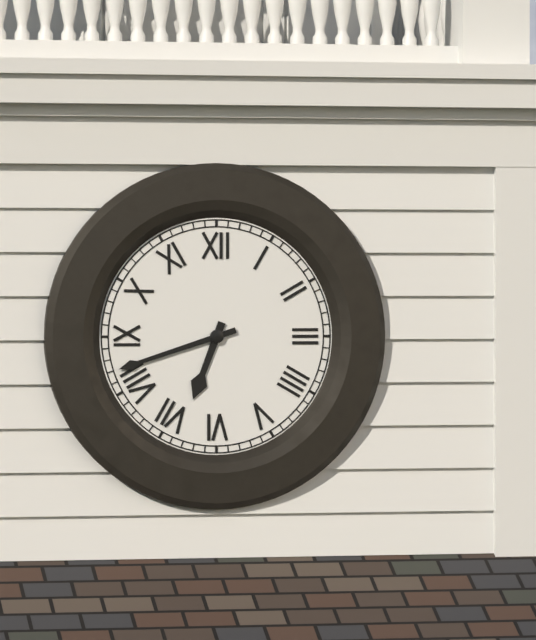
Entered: {"hour": 6, "minute": 42}
